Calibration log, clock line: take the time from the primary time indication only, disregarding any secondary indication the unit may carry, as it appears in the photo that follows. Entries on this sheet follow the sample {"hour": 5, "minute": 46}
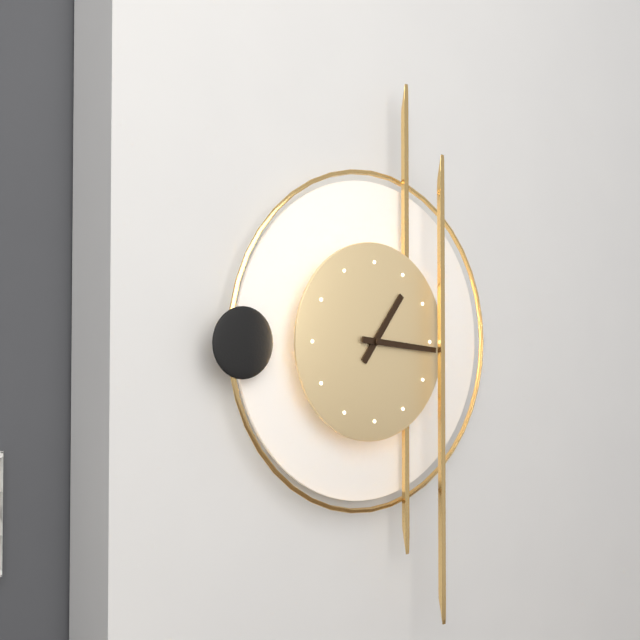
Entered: {"hour": 1, "minute": 16}
